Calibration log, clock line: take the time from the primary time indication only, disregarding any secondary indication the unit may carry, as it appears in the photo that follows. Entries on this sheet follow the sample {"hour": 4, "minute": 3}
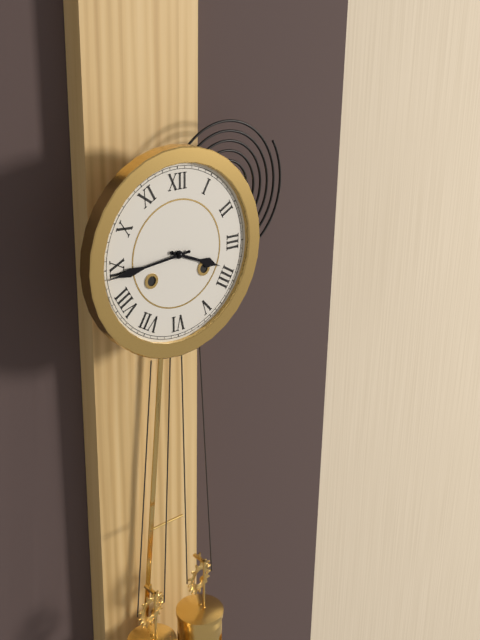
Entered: {"hour": 3, "minute": 44}
